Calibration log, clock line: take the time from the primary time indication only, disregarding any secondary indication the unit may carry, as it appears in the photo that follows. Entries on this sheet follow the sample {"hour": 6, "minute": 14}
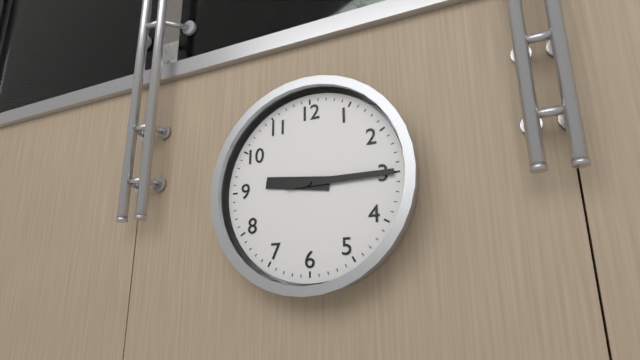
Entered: {"hour": 9, "minute": 15}
